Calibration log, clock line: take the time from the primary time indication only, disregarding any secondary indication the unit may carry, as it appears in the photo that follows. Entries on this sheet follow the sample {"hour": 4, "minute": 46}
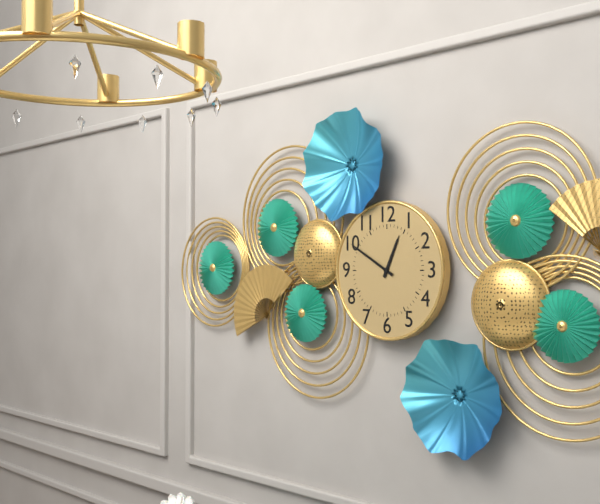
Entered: {"hour": 12, "minute": 50}
